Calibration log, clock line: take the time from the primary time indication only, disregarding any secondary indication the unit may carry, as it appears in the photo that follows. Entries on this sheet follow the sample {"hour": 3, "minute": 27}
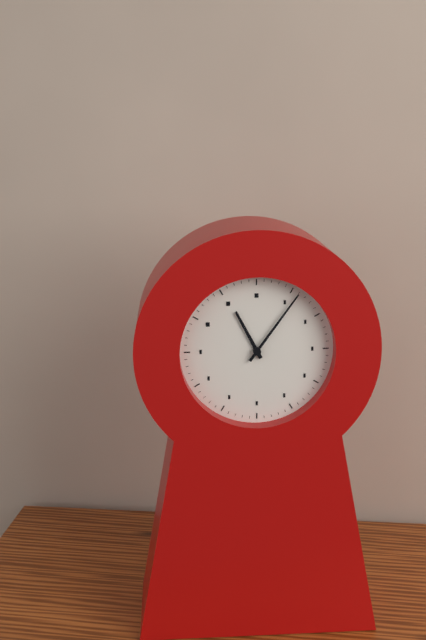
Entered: {"hour": 11, "minute": 6}
